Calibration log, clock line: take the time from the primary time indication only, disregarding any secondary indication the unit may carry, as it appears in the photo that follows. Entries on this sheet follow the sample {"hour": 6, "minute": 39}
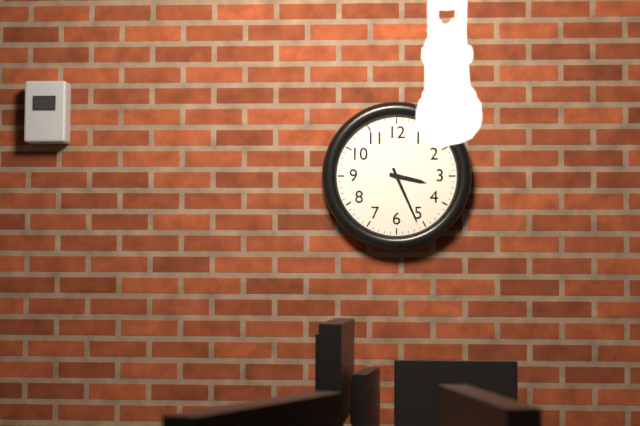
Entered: {"hour": 3, "minute": 26}
